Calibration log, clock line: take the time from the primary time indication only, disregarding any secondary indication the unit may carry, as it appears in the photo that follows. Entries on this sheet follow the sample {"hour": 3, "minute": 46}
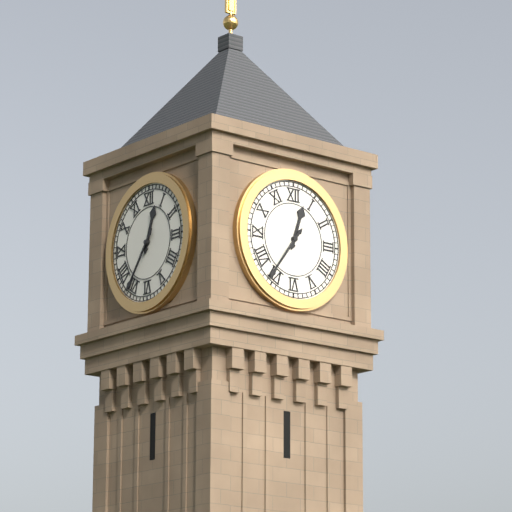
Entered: {"hour": 12, "minute": 36}
